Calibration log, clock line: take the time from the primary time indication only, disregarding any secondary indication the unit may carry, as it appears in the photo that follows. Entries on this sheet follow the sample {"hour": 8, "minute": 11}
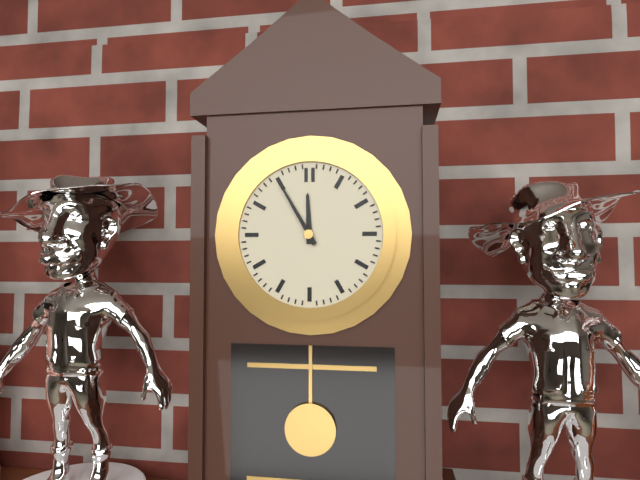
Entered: {"hour": 11, "minute": 55}
